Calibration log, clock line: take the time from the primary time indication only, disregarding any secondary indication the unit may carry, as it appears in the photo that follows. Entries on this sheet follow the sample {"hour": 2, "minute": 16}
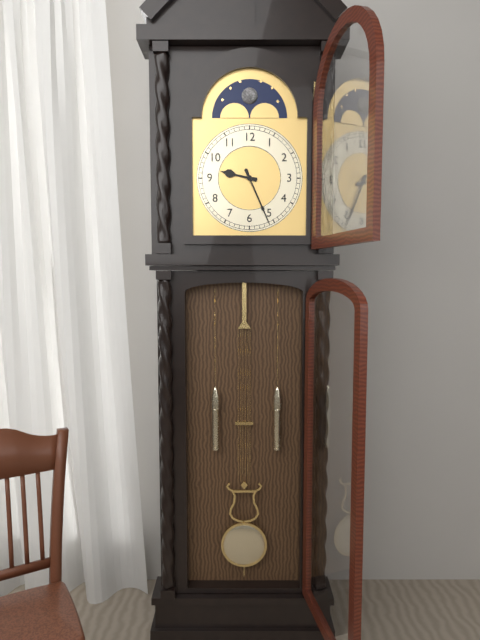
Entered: {"hour": 9, "minute": 26}
